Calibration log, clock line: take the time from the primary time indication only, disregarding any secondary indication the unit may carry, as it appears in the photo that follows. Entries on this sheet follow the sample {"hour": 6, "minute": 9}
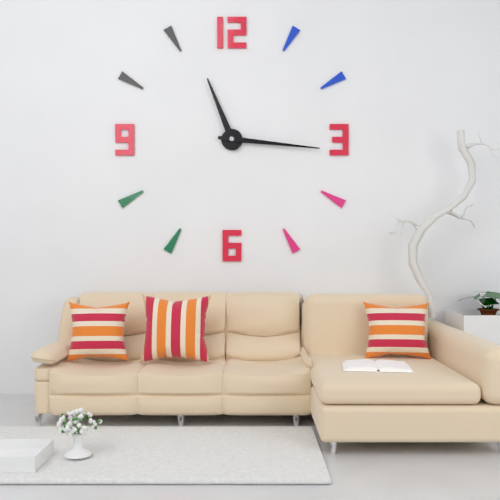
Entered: {"hour": 11, "minute": 16}
